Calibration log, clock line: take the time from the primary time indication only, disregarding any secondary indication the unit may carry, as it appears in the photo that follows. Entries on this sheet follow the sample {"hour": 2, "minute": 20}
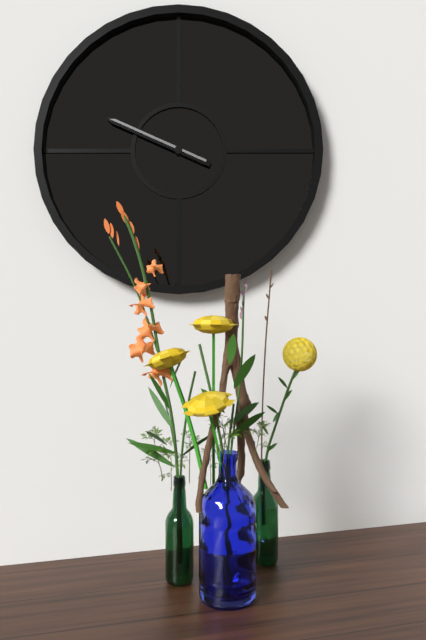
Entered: {"hour": 9, "minute": 49}
